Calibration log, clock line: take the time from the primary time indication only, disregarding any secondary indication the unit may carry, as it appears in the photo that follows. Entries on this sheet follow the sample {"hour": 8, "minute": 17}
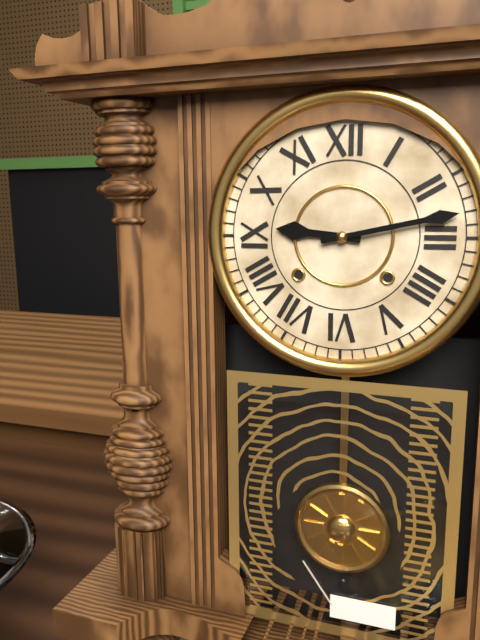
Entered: {"hour": 9, "minute": 13}
